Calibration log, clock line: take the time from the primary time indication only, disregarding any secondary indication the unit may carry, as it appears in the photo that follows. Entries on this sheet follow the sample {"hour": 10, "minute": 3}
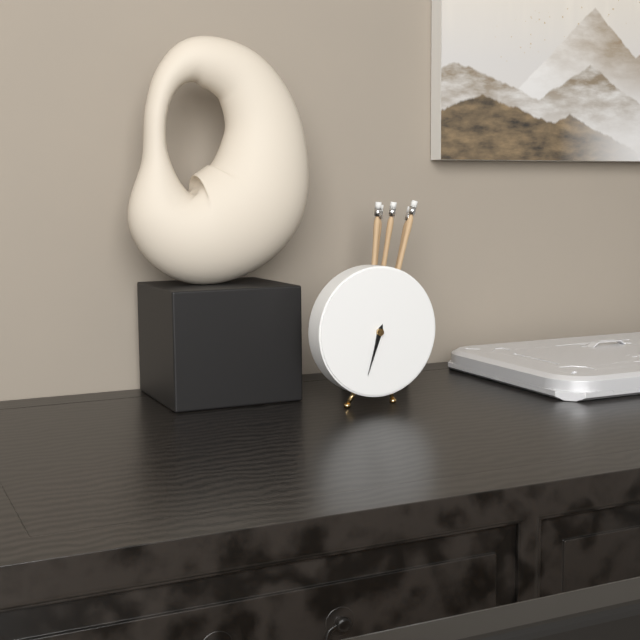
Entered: {"hour": 6, "minute": 33}
